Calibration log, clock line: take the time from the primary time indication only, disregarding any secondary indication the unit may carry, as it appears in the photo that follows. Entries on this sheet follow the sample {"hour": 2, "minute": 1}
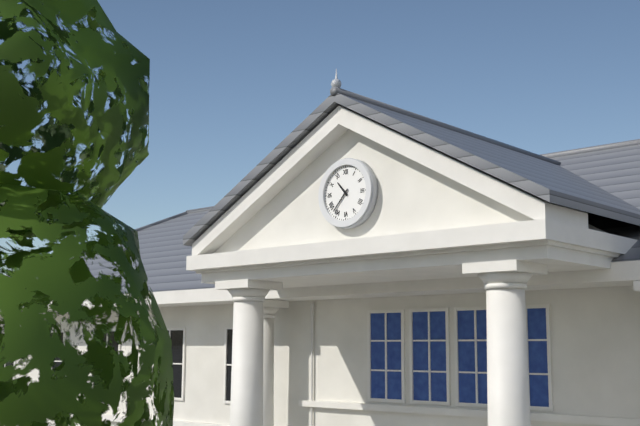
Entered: {"hour": 10, "minute": 37}
